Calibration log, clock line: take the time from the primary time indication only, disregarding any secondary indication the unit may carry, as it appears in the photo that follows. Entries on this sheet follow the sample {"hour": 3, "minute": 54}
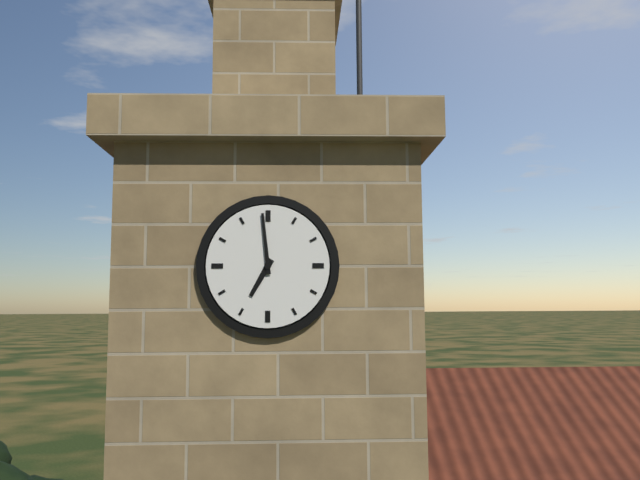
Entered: {"hour": 6, "minute": 59}
